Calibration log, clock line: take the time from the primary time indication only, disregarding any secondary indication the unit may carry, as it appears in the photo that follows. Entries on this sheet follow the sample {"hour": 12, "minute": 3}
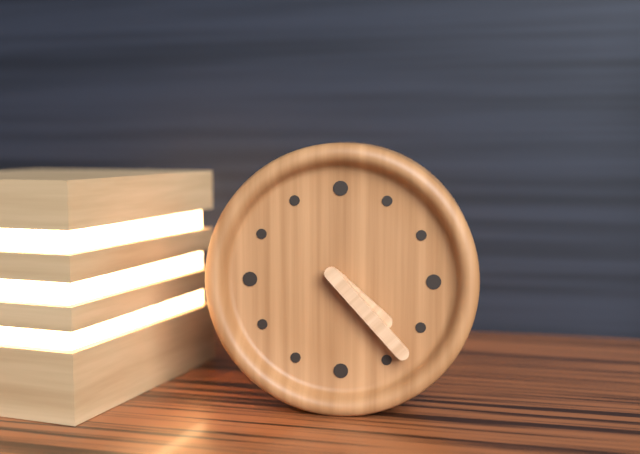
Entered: {"hour": 4, "minute": 23}
